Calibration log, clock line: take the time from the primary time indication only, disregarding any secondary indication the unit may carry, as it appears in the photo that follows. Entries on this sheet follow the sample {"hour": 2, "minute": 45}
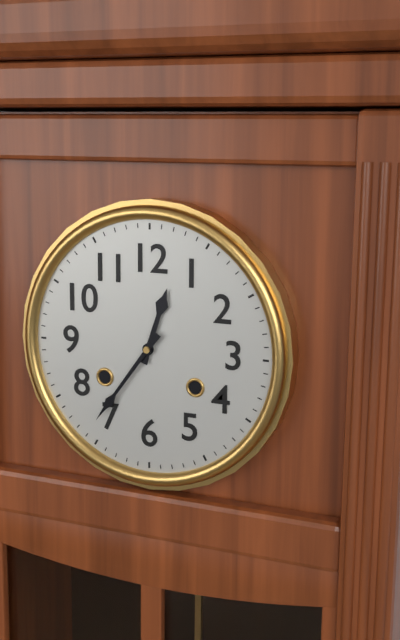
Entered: {"hour": 12, "minute": 36}
